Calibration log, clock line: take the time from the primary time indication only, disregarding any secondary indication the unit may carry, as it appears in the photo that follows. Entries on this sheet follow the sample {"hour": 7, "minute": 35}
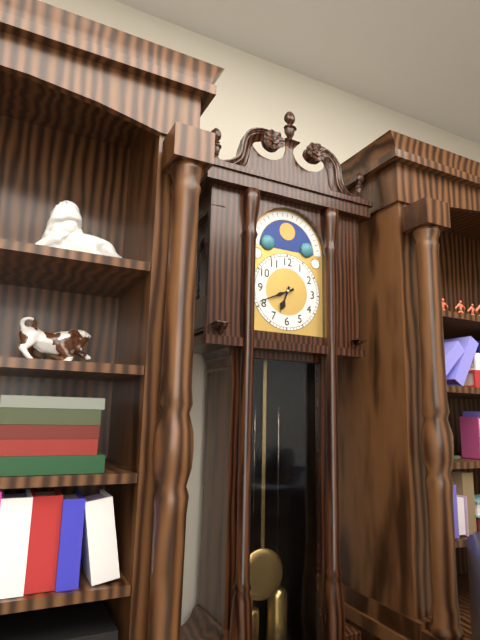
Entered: {"hour": 6, "minute": 41}
